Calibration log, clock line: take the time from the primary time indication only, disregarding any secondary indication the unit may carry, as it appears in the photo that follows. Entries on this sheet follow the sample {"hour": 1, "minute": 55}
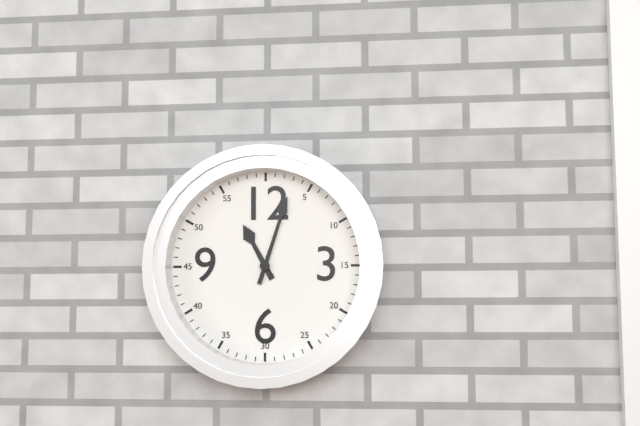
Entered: {"hour": 11, "minute": 3}
